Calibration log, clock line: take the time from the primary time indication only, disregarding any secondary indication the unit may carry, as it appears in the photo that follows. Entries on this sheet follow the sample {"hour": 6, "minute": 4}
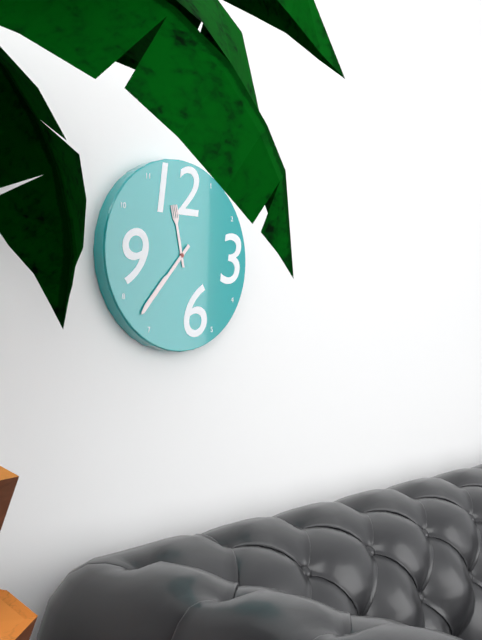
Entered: {"hour": 11, "minute": 37}
